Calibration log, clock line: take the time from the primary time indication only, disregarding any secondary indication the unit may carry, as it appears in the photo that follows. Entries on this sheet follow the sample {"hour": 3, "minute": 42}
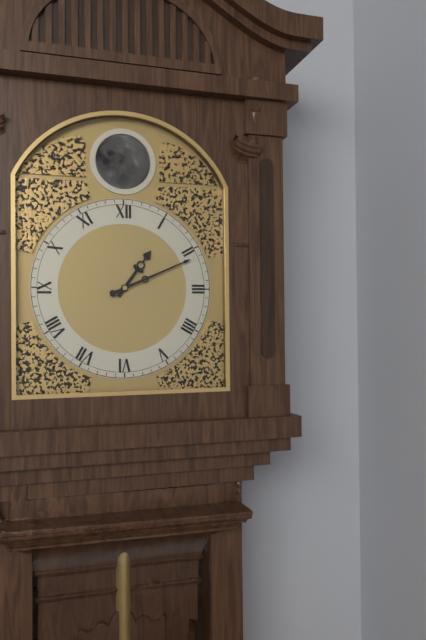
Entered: {"hour": 1, "minute": 11}
